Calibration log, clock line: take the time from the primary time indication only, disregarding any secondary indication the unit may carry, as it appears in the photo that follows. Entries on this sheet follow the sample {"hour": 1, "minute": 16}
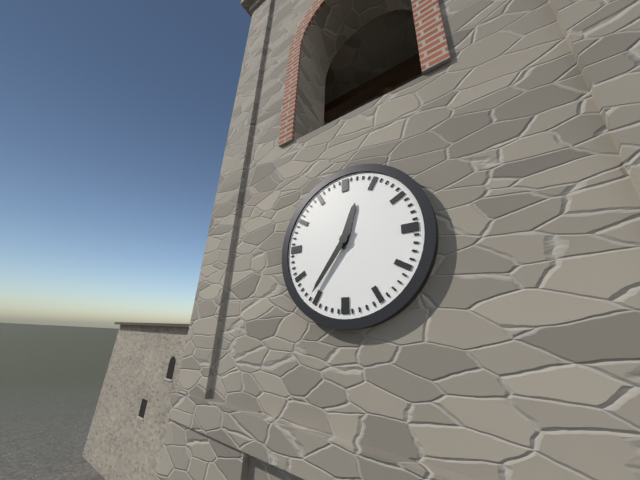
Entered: {"hour": 12, "minute": 36}
